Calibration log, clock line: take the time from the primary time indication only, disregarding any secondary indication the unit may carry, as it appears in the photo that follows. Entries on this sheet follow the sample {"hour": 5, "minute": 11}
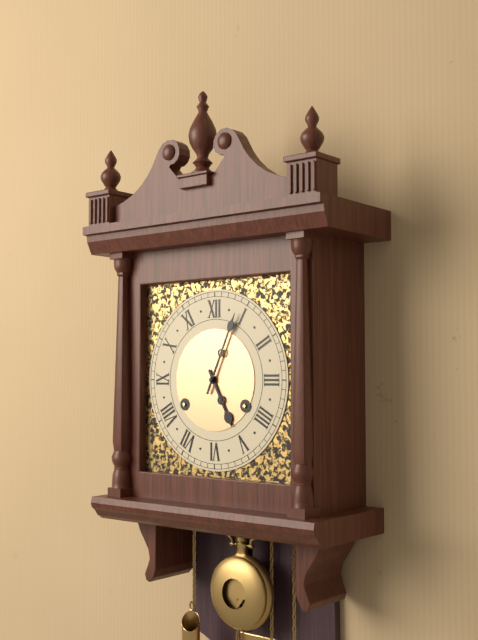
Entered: {"hour": 5, "minute": 4}
